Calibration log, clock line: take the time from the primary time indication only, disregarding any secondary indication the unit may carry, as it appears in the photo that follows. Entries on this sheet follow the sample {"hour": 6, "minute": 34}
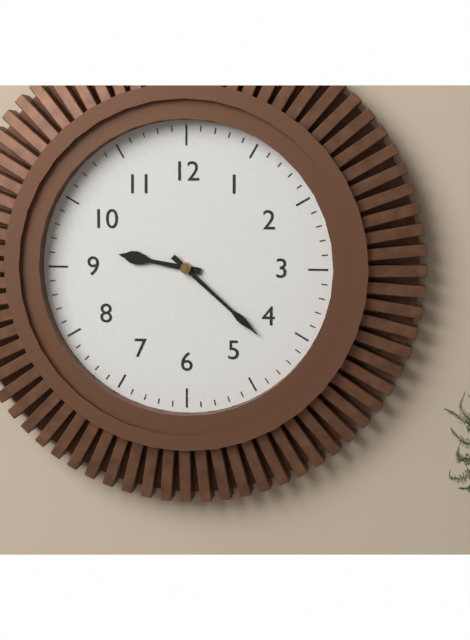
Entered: {"hour": 9, "minute": 22}
